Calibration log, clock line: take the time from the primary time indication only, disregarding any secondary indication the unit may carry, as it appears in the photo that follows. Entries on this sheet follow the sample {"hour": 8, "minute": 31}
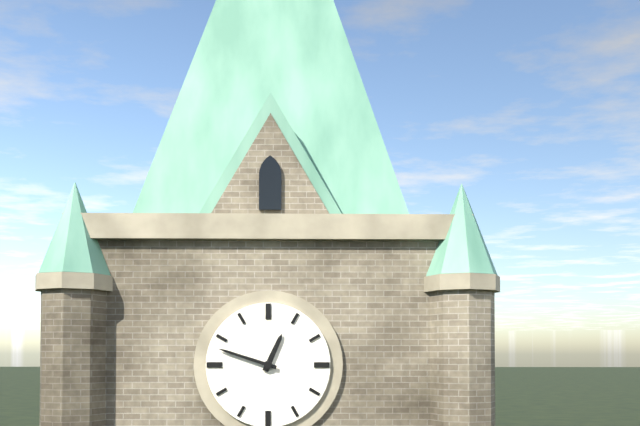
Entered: {"hour": 12, "minute": 48}
